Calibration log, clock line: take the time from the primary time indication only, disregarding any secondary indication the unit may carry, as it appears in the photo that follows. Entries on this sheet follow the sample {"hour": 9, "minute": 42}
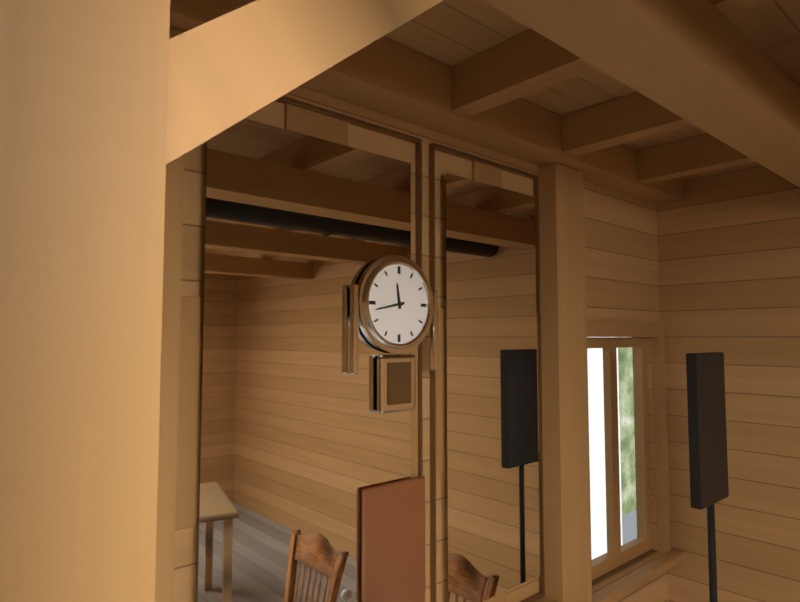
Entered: {"hour": 11, "minute": 43}
